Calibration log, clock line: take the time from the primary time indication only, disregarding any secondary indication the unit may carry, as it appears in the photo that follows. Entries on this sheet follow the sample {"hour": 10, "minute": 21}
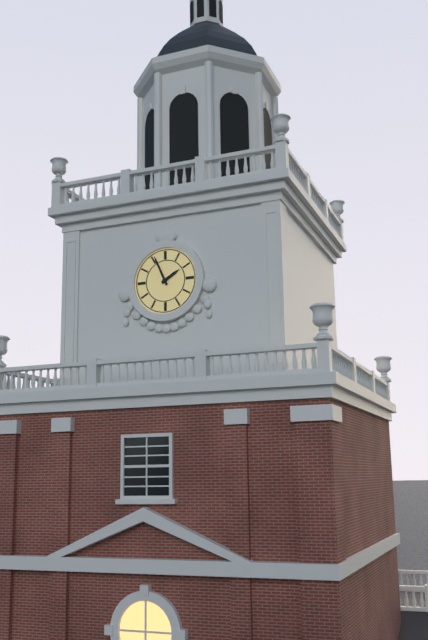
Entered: {"hour": 1, "minute": 56}
